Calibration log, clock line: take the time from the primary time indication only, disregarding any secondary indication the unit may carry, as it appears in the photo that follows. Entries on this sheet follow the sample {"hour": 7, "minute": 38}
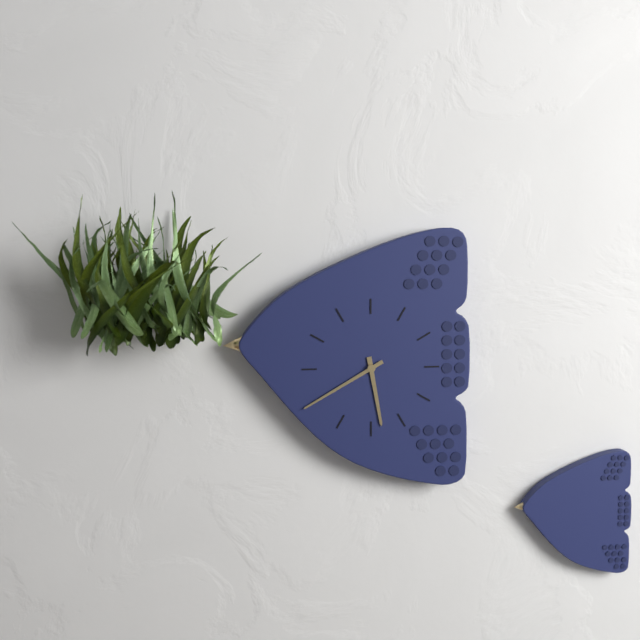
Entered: {"hour": 5, "minute": 40}
